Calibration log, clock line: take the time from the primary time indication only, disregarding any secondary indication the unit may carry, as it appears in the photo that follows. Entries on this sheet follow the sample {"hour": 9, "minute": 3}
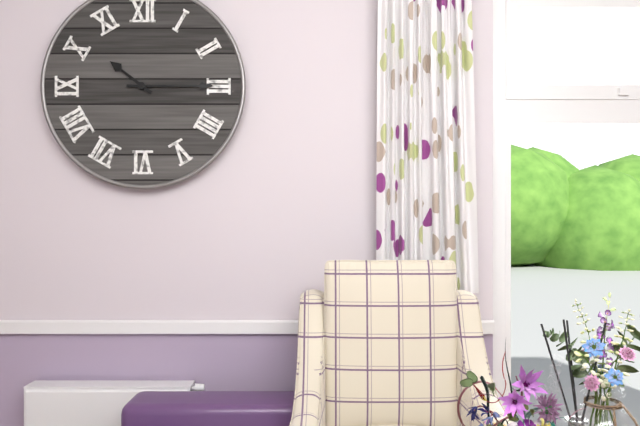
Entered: {"hour": 10, "minute": 15}
